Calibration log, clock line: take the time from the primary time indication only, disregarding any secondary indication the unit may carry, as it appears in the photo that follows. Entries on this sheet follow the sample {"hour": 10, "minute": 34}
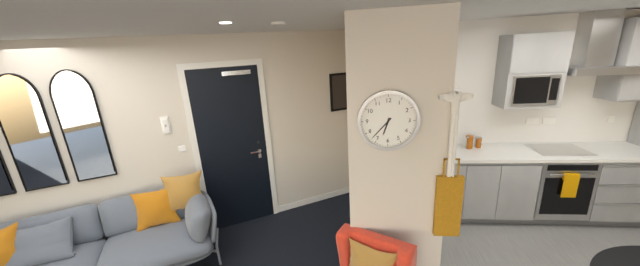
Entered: {"hour": 6, "minute": 37}
